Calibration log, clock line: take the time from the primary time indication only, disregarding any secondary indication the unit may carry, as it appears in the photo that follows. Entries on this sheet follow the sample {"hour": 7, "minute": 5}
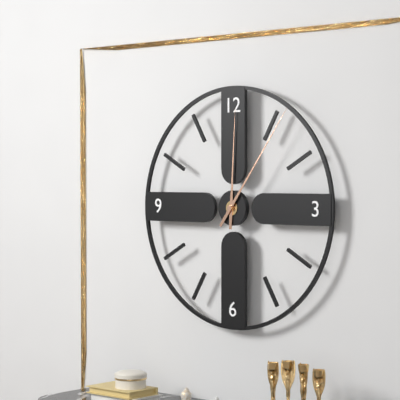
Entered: {"hour": 12, "minute": 6}
